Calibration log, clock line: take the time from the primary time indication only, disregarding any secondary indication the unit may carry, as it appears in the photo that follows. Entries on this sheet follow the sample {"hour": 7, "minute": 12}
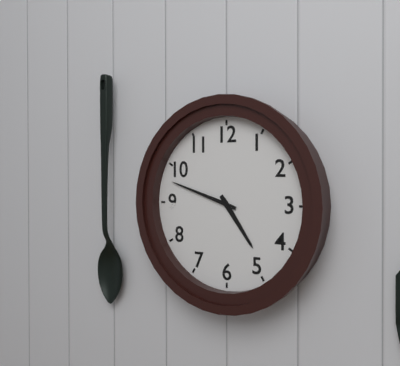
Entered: {"hour": 4, "minute": 48}
